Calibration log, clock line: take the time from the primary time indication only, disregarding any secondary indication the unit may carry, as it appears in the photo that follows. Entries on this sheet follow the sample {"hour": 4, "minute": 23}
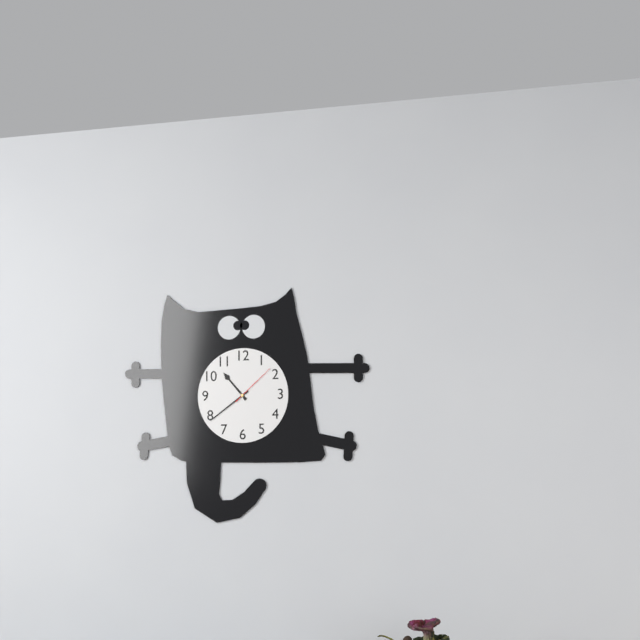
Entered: {"hour": 10, "minute": 39}
